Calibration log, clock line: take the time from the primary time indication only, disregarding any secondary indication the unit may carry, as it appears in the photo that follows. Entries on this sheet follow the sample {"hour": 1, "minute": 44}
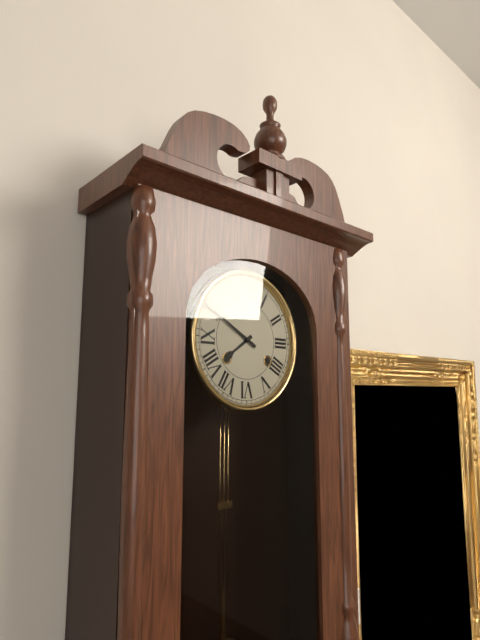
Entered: {"hour": 7, "minute": 50}
